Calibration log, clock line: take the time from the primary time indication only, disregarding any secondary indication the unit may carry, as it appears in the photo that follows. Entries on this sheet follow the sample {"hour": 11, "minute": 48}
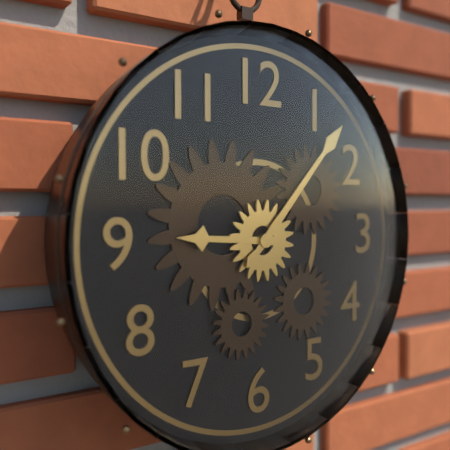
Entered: {"hour": 9, "minute": 7}
